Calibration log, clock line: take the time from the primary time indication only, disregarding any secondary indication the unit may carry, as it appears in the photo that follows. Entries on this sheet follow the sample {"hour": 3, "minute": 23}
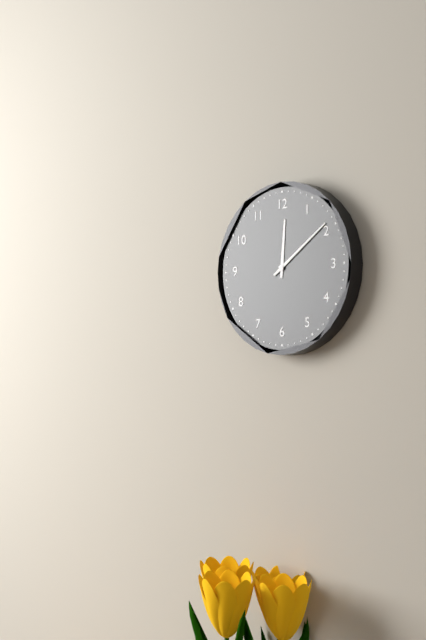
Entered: {"hour": 12, "minute": 9}
